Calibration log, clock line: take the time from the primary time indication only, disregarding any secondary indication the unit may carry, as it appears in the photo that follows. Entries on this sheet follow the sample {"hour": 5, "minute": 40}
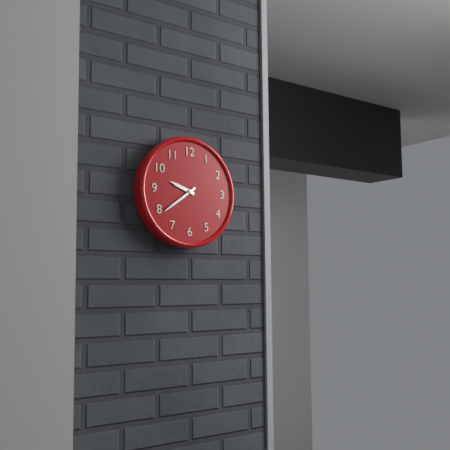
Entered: {"hour": 9, "minute": 39}
